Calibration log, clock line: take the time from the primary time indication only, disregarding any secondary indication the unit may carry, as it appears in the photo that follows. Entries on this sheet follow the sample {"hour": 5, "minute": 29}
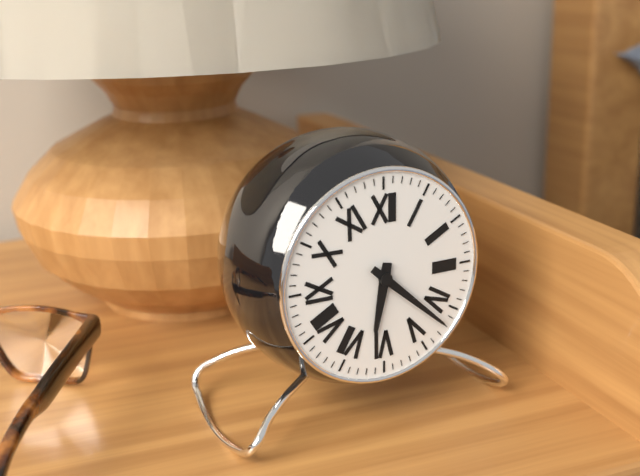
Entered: {"hour": 6, "minute": 22}
